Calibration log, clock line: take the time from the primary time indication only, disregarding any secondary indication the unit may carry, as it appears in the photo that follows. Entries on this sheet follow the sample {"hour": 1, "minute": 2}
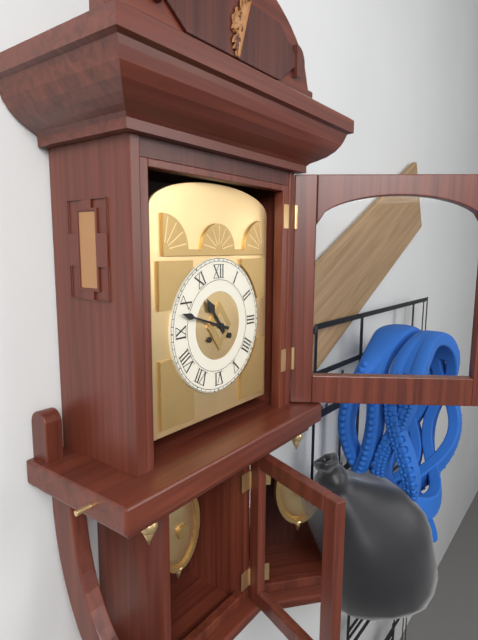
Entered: {"hour": 10, "minute": 48}
